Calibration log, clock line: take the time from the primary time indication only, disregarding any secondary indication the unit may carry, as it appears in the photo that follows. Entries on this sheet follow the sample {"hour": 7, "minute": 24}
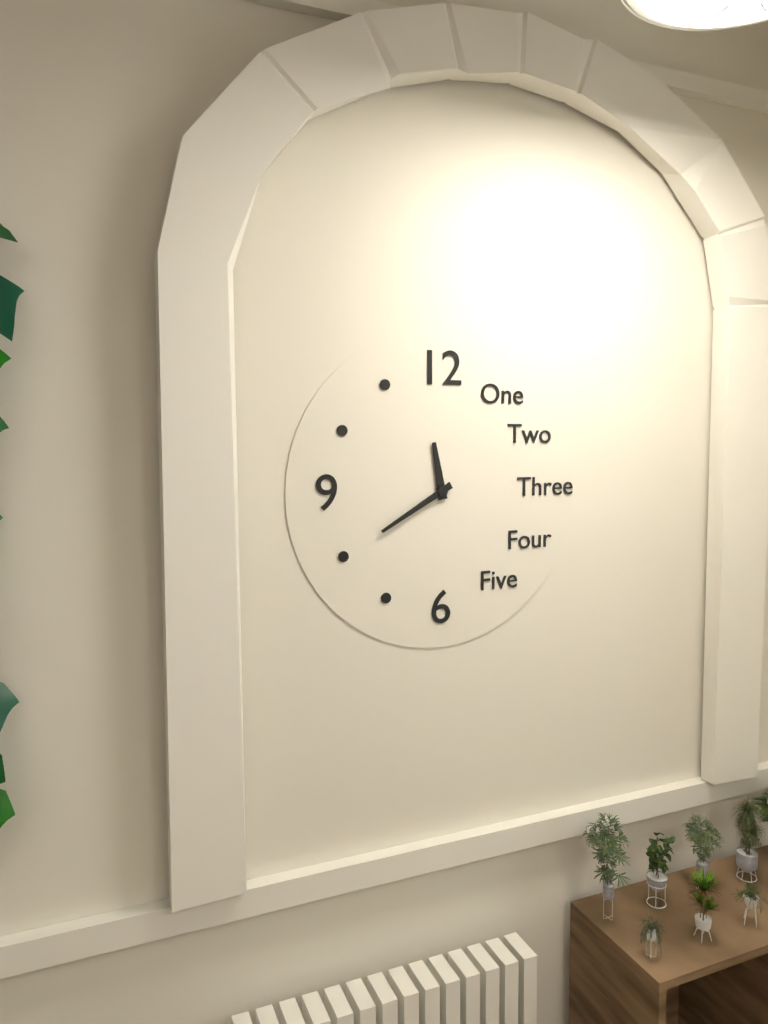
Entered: {"hour": 11, "minute": 40}
